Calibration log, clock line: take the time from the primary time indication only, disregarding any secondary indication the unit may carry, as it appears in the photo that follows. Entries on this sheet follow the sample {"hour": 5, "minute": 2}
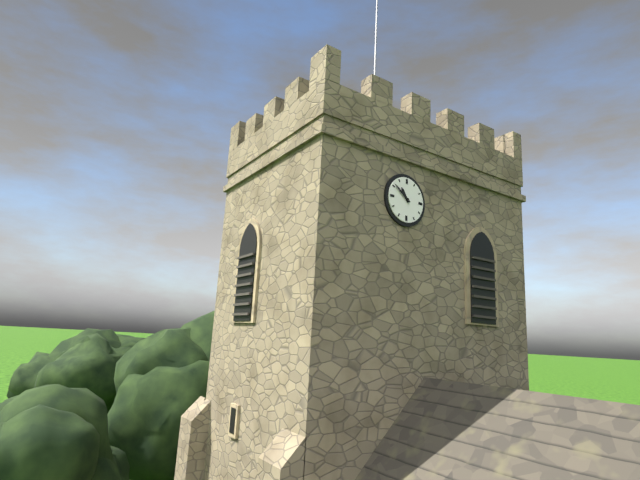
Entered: {"hour": 10, "minute": 51}
